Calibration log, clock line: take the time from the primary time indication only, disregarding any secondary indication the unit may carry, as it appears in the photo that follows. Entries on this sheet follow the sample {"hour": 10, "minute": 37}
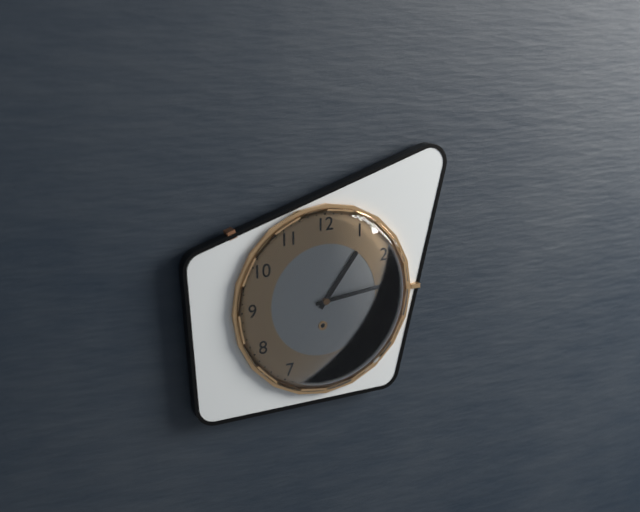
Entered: {"hour": 1, "minute": 14}
